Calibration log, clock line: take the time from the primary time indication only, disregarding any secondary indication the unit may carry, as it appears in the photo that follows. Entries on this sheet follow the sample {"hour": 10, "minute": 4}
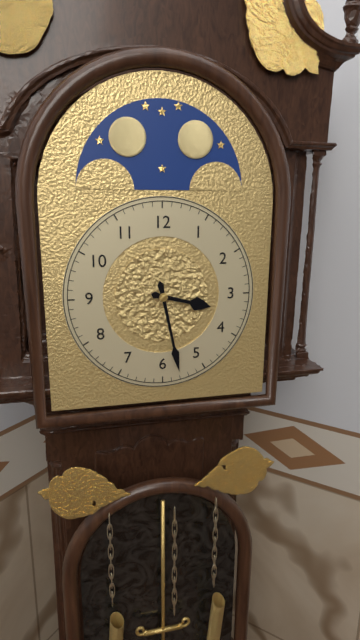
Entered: {"hour": 3, "minute": 28}
